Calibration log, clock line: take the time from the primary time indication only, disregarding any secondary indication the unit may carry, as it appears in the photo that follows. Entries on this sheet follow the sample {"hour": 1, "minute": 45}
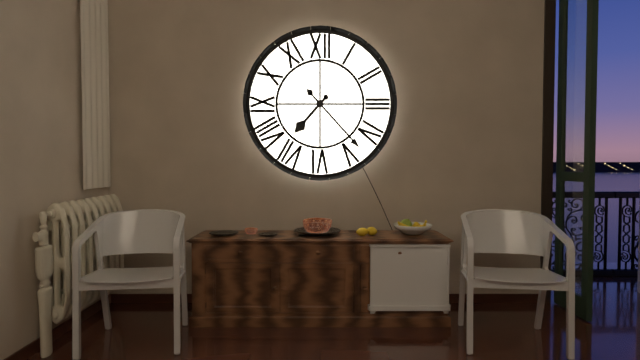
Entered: {"hour": 7, "minute": 23}
